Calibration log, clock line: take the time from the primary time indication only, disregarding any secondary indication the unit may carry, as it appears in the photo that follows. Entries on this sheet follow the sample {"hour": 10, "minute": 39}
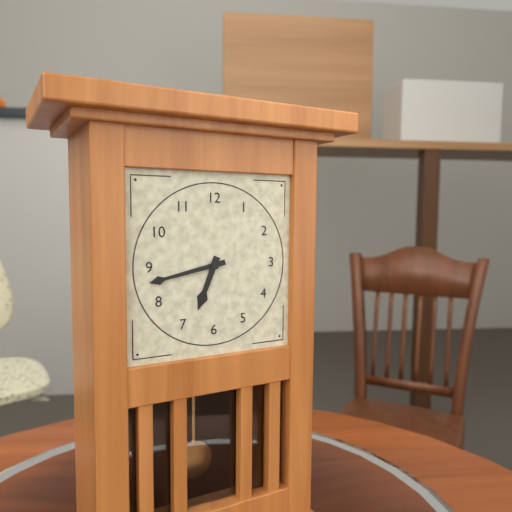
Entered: {"hour": 6, "minute": 43}
